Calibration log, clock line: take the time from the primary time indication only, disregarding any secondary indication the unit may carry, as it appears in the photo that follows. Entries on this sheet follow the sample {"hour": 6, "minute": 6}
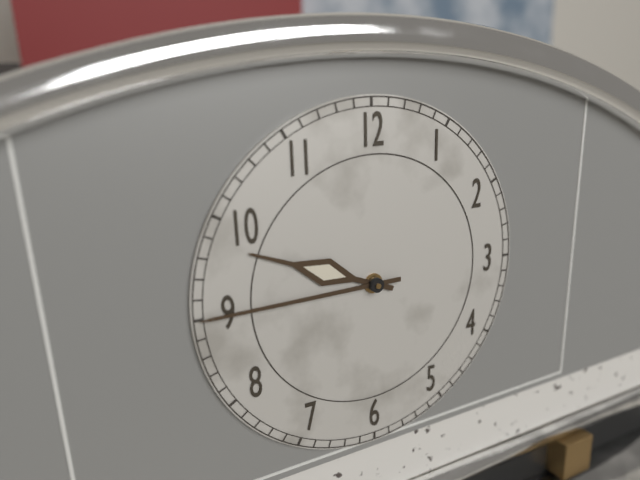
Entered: {"hour": 9, "minute": 45}
